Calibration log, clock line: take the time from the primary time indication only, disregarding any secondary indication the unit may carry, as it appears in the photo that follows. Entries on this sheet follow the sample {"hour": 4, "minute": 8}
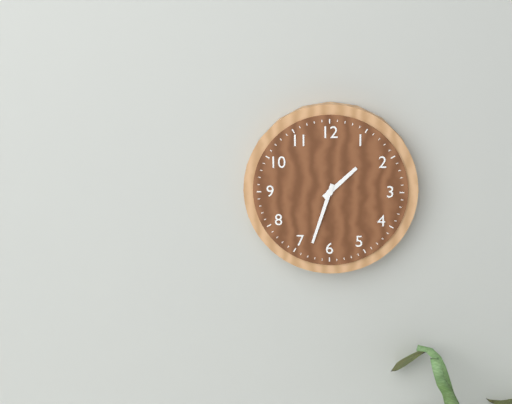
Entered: {"hour": 1, "minute": 33}
